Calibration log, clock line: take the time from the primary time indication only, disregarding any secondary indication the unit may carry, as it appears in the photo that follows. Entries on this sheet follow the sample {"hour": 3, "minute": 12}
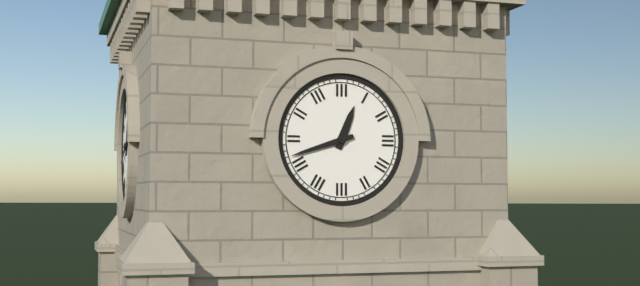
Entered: {"hour": 12, "minute": 42}
